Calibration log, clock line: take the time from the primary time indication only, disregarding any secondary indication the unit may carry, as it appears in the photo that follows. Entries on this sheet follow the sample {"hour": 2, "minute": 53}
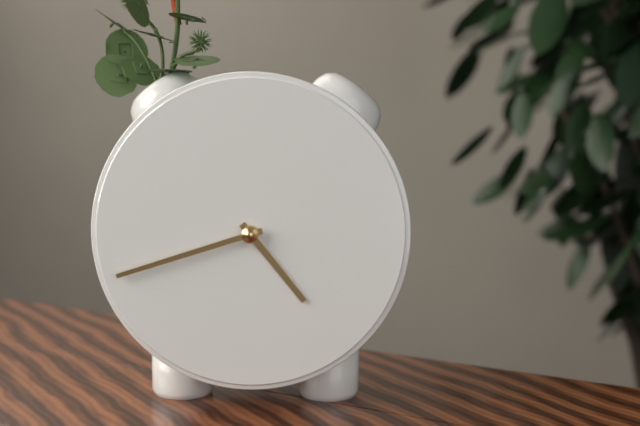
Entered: {"hour": 4, "minute": 42}
